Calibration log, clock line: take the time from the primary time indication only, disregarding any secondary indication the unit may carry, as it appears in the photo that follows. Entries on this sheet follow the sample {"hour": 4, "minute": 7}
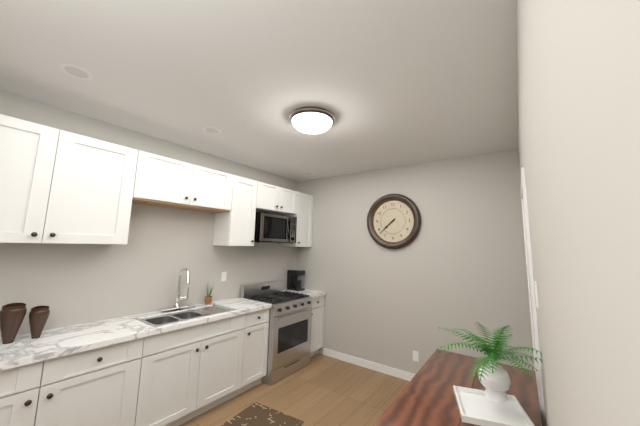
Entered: {"hour": 7, "minute": 38}
